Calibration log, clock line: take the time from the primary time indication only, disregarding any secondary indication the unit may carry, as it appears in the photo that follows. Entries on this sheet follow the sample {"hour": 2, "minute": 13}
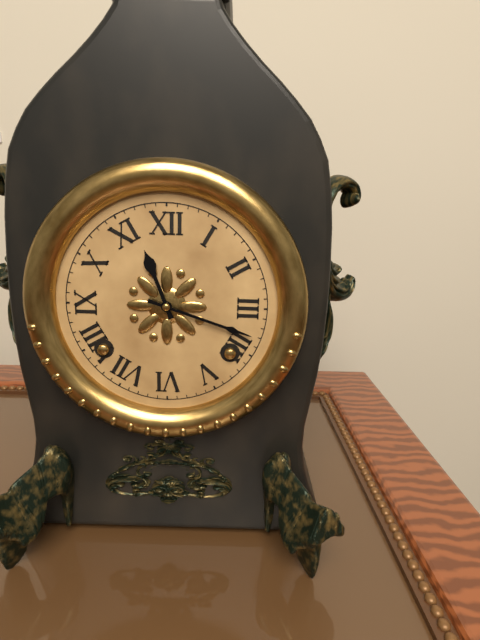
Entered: {"hour": 11, "minute": 18}
